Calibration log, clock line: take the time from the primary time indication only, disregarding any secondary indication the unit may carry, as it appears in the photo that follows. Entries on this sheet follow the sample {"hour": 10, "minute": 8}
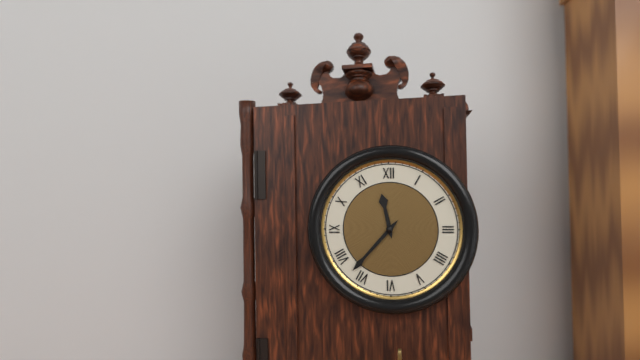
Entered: {"hour": 11, "minute": 37}
